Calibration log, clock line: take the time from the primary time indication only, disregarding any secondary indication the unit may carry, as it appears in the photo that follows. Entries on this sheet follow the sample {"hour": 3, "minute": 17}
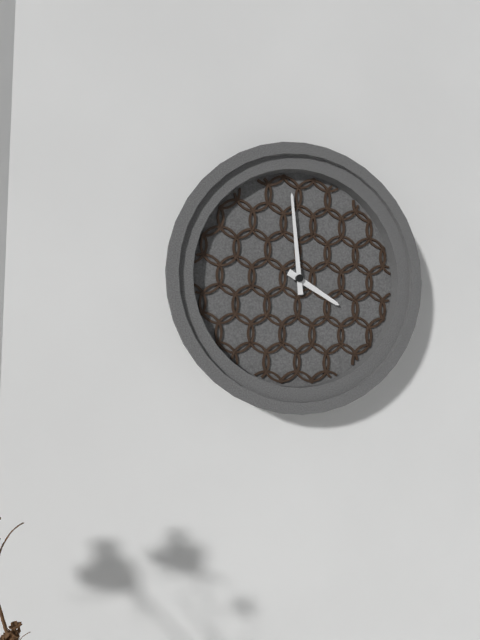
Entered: {"hour": 3, "minute": 59}
